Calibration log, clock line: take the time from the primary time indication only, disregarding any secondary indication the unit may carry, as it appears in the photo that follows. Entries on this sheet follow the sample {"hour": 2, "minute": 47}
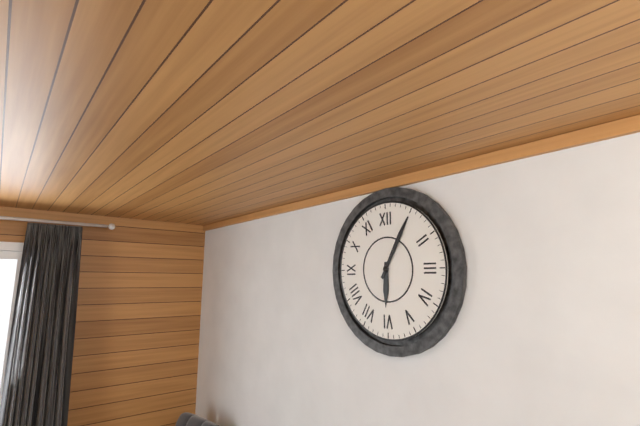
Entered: {"hour": 6, "minute": 5}
